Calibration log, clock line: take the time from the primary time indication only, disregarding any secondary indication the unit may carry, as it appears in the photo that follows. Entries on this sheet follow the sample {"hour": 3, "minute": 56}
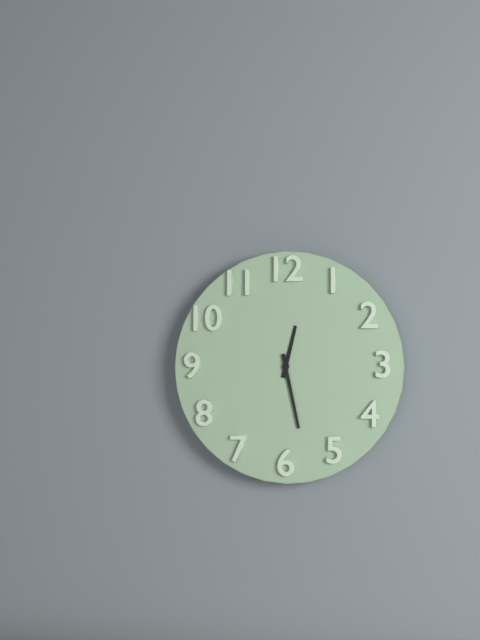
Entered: {"hour": 12, "minute": 28}
